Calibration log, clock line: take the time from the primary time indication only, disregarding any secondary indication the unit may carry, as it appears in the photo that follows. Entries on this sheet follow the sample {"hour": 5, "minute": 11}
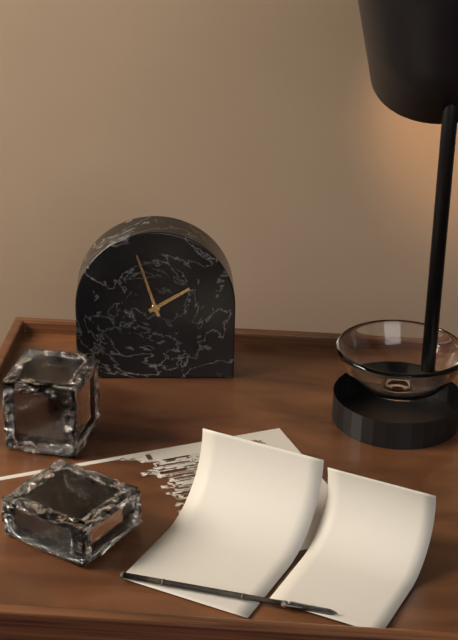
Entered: {"hour": 1, "minute": 57}
